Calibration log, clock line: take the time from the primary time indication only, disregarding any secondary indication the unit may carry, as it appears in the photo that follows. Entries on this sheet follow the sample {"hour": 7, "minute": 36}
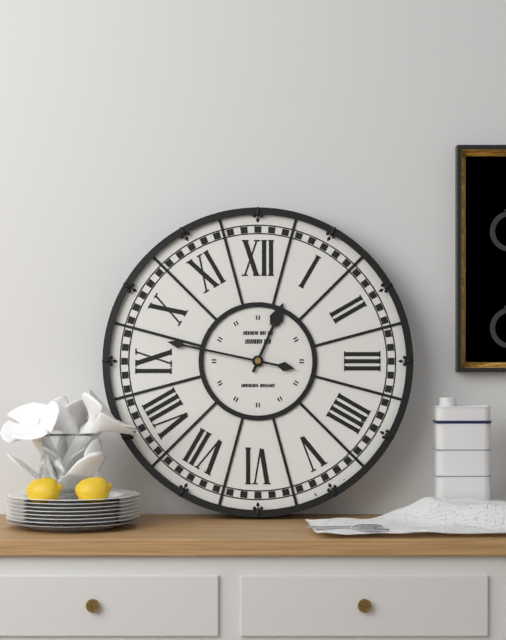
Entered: {"hour": 12, "minute": 47}
